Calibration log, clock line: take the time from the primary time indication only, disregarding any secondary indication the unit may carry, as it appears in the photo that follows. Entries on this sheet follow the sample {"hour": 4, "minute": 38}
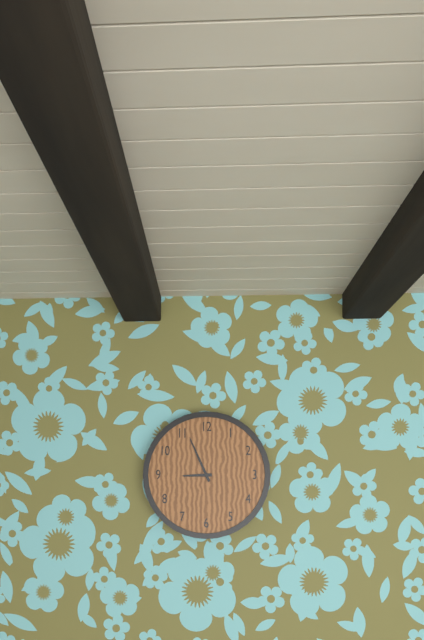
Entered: {"hour": 8, "minute": 56}
